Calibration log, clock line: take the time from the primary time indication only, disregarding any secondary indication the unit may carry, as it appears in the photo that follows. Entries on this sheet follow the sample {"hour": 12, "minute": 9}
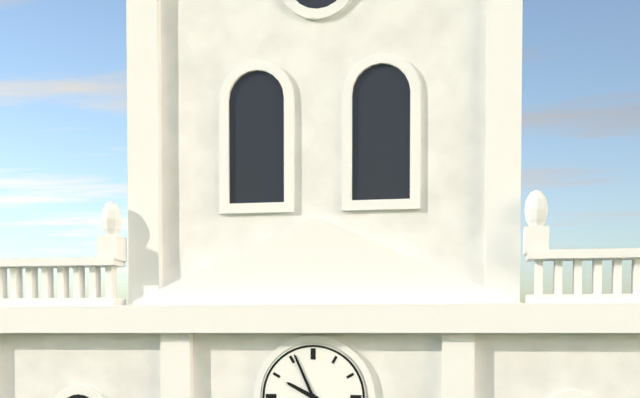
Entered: {"hour": 9, "minute": 56}
